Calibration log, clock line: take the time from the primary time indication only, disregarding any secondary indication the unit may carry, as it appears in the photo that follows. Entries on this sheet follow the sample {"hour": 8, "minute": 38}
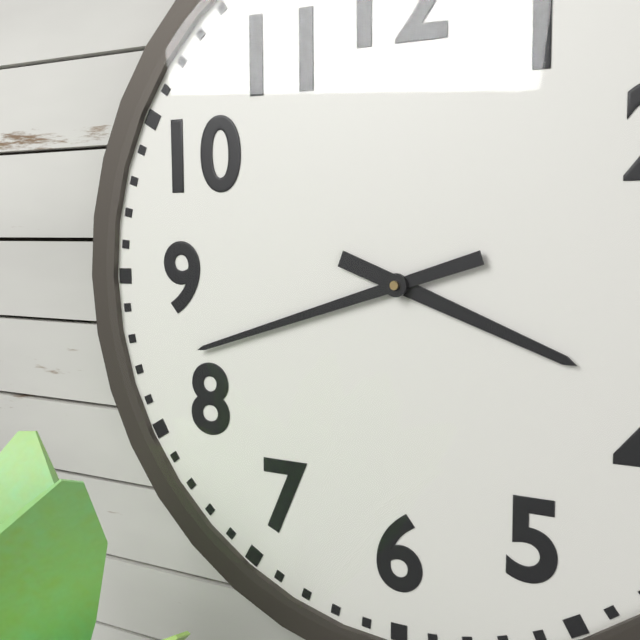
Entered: {"hour": 3, "minute": 42}
